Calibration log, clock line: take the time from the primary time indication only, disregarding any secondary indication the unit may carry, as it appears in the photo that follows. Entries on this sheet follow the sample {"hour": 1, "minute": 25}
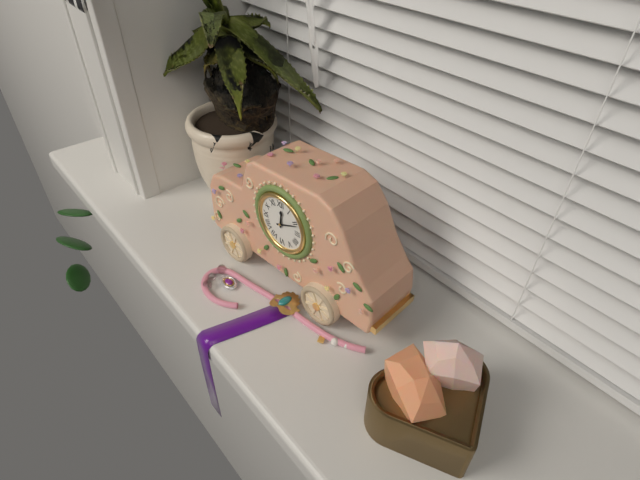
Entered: {"hour": 12, "minute": 11}
